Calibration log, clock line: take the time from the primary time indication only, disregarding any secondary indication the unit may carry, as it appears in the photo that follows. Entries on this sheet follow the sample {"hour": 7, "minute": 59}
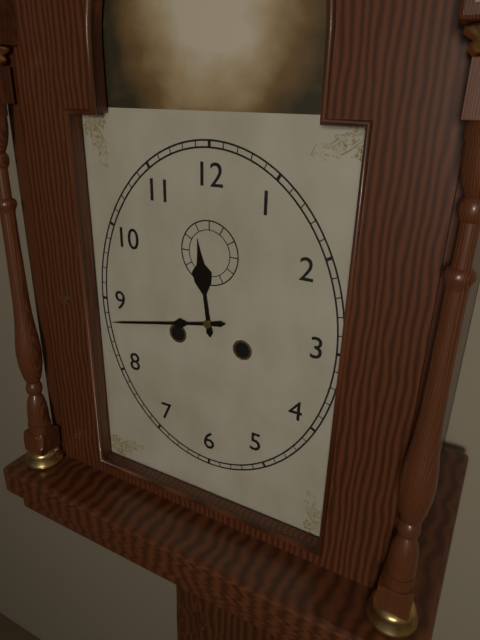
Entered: {"hour": 11, "minute": 43}
